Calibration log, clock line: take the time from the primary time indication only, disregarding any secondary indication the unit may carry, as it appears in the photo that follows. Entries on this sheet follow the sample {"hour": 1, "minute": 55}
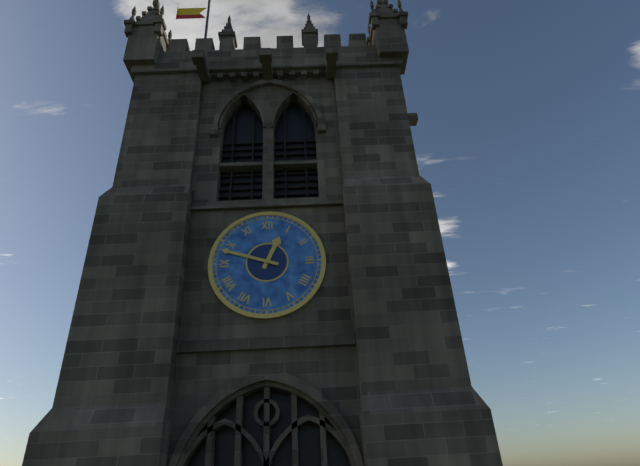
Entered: {"hour": 12, "minute": 48}
